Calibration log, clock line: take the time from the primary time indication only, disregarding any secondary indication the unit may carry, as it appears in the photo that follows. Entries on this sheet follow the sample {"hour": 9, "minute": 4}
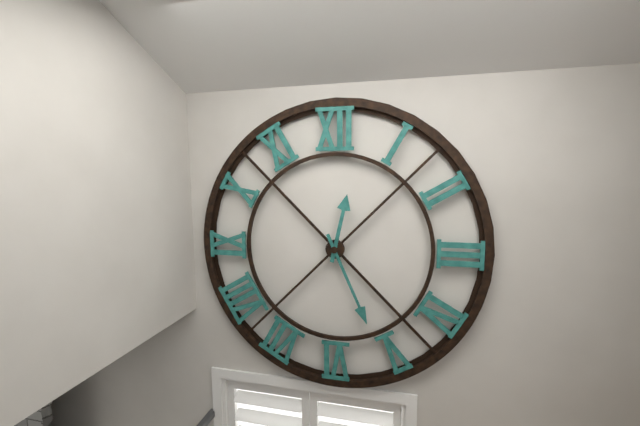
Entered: {"hour": 12, "minute": 26}
